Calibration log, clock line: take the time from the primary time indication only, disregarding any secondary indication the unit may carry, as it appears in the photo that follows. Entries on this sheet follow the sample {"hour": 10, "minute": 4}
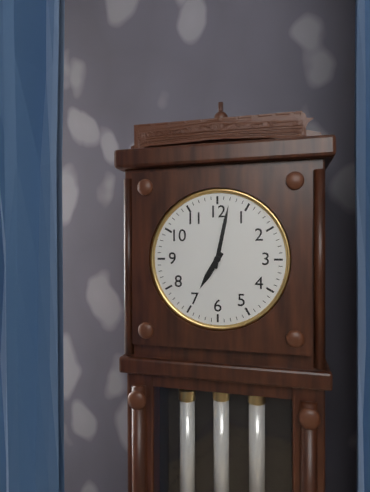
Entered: {"hour": 7, "minute": 2}
